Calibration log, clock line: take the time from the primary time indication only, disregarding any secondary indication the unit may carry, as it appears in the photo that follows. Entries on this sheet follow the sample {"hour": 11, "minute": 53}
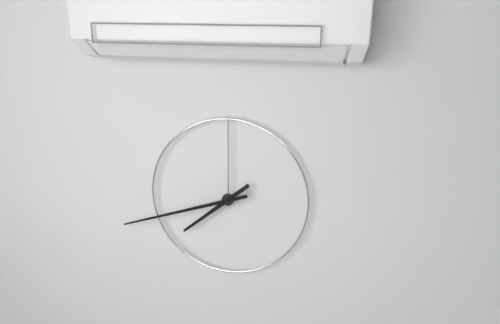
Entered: {"hour": 7, "minute": 42}
